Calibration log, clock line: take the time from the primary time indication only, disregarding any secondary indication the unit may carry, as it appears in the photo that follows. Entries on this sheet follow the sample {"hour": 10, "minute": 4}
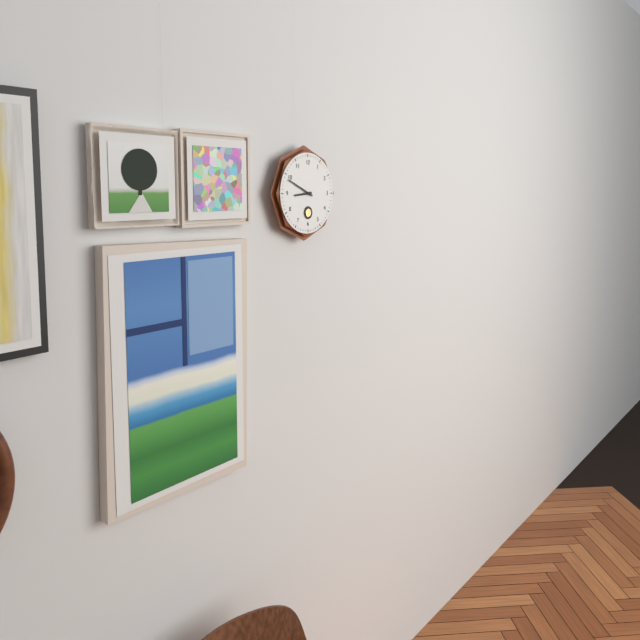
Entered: {"hour": 8, "minute": 49}
